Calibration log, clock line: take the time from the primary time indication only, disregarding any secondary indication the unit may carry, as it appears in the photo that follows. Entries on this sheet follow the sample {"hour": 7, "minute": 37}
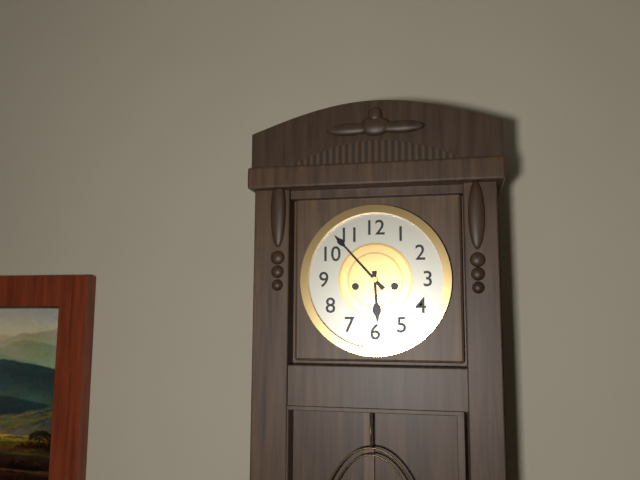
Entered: {"hour": 5, "minute": 53}
